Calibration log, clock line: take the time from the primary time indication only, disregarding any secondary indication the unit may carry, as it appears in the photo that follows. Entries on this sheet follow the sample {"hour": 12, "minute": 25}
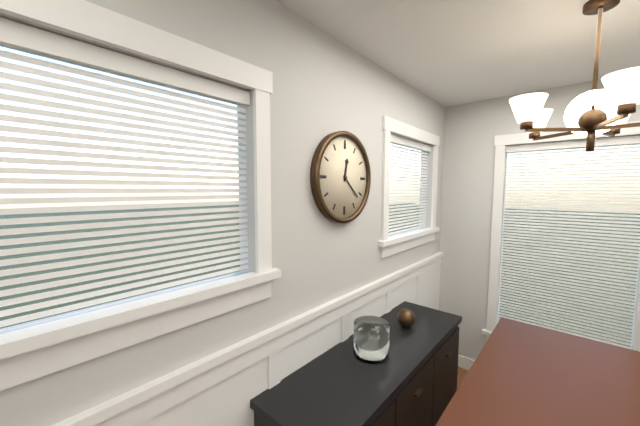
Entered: {"hour": 12, "minute": 22}
